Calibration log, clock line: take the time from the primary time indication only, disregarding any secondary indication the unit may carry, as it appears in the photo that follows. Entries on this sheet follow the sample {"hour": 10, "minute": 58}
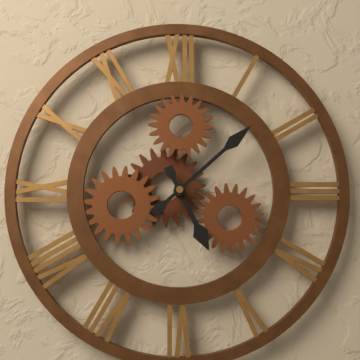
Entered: {"hour": 5, "minute": 8}
